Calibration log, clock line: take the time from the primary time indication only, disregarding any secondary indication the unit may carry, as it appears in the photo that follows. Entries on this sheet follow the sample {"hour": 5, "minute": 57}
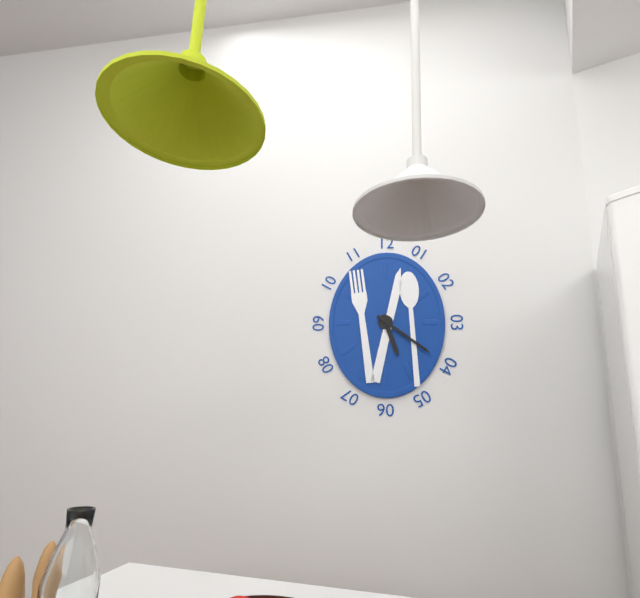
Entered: {"hour": 5, "minute": 21}
